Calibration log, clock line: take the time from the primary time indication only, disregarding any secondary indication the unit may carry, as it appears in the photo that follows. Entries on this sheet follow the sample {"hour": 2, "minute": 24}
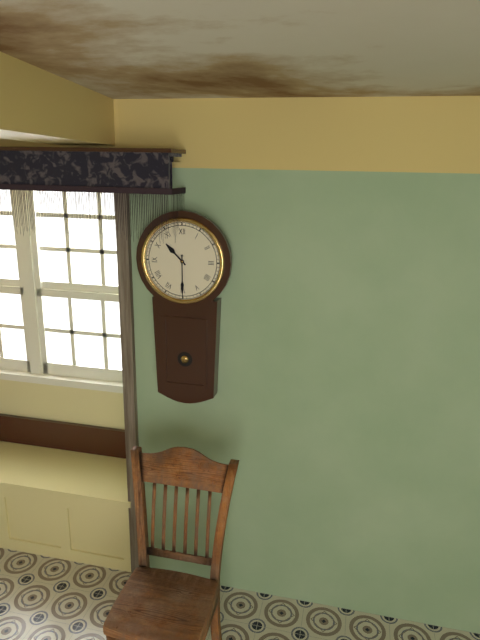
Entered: {"hour": 10, "minute": 30}
